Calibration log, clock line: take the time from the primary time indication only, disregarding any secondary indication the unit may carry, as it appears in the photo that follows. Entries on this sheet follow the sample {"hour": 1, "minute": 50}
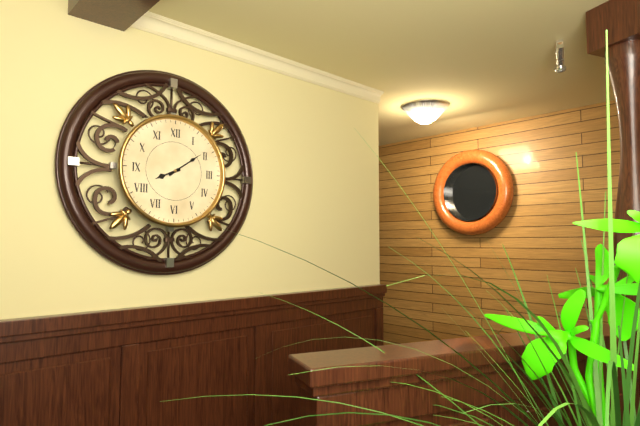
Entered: {"hour": 8, "minute": 9}
